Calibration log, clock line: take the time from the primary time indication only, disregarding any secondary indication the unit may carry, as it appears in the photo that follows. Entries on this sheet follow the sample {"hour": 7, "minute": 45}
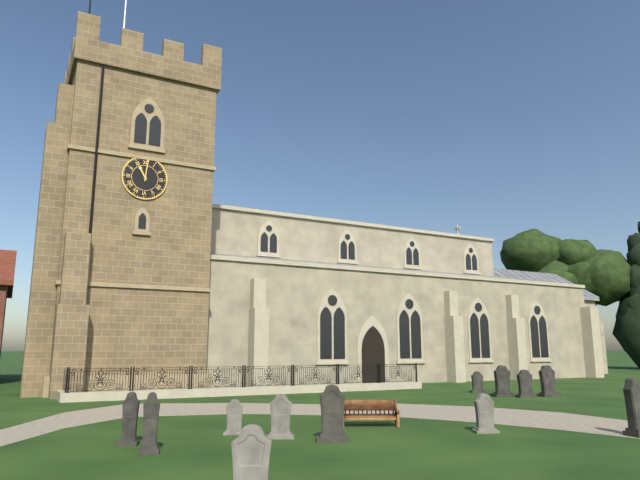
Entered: {"hour": 11, "minute": 1}
